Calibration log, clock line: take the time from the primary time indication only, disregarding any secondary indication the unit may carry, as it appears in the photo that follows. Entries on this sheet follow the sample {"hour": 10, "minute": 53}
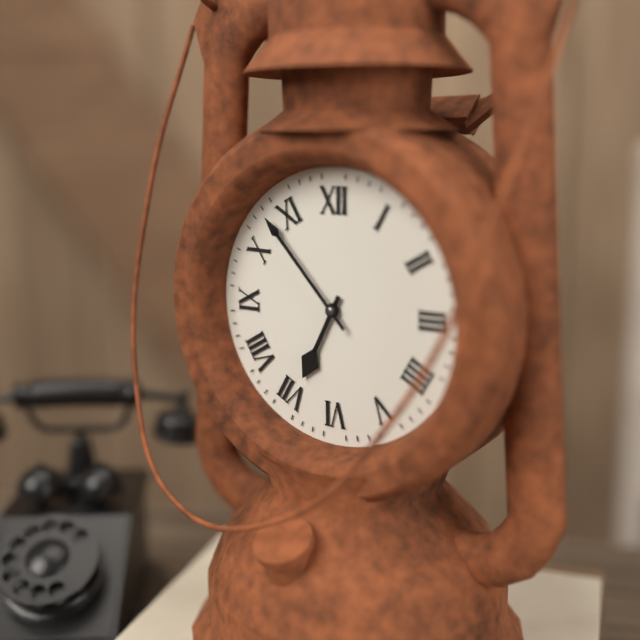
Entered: {"hour": 6, "minute": 53}
